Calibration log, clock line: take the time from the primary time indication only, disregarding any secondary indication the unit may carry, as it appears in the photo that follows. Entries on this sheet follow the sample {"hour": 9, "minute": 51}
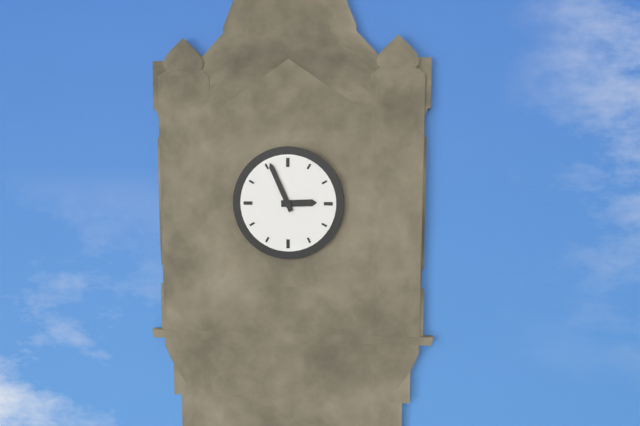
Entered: {"hour": 2, "minute": 56}
